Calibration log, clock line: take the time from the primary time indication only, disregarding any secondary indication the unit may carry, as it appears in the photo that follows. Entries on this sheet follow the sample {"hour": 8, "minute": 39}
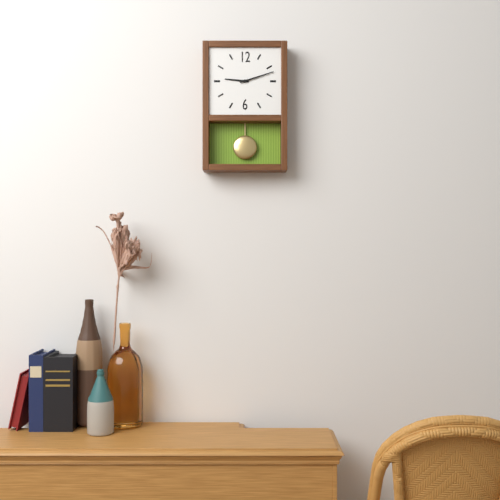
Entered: {"hour": 9, "minute": 12}
